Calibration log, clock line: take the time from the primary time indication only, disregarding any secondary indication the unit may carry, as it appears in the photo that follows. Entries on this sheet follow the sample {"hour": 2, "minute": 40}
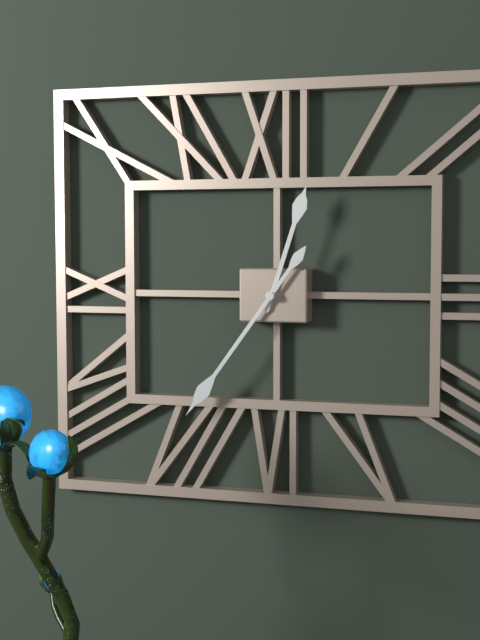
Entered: {"hour": 12, "minute": 36}
